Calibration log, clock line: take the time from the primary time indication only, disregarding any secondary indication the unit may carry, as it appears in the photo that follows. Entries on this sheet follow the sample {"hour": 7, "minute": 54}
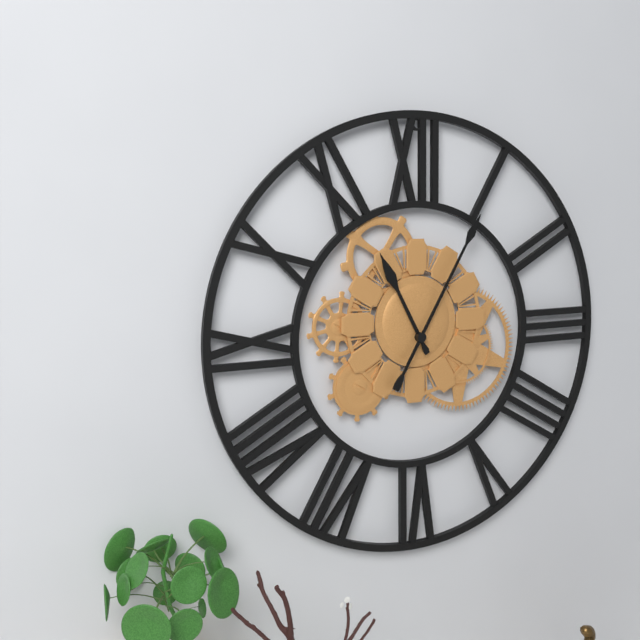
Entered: {"hour": 11, "minute": 5}
